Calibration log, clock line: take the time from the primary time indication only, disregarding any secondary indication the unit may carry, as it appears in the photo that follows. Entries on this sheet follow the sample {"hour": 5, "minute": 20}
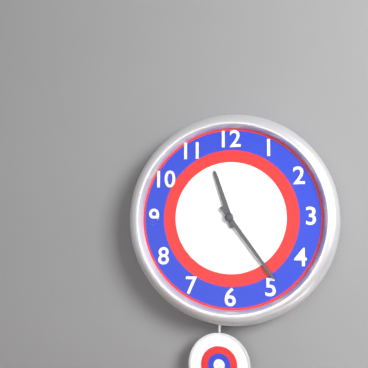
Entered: {"hour": 11, "minute": 24}
